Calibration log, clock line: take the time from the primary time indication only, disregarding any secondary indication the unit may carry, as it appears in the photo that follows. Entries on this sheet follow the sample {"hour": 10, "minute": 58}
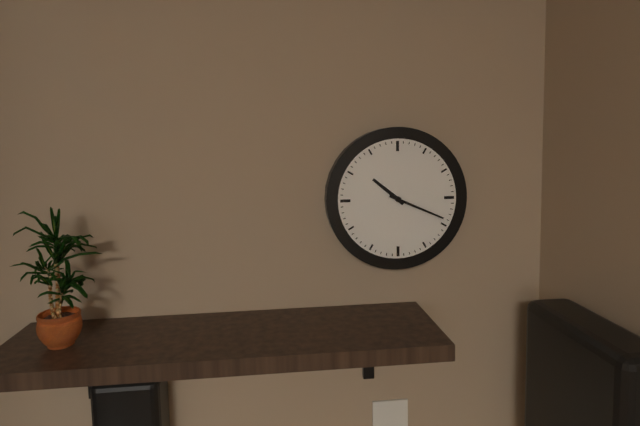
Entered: {"hour": 10, "minute": 19}
